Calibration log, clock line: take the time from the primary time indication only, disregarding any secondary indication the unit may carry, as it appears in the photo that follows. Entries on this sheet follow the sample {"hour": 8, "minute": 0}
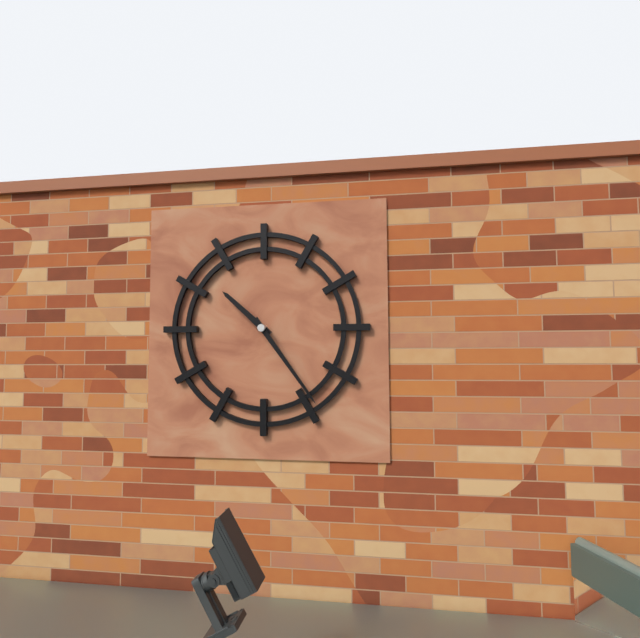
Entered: {"hour": 10, "minute": 24}
